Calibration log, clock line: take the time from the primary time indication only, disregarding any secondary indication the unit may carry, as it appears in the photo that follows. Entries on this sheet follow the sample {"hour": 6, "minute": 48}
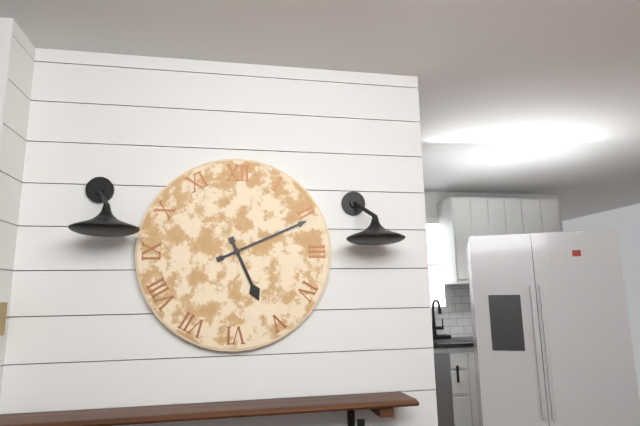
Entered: {"hour": 5, "minute": 11}
